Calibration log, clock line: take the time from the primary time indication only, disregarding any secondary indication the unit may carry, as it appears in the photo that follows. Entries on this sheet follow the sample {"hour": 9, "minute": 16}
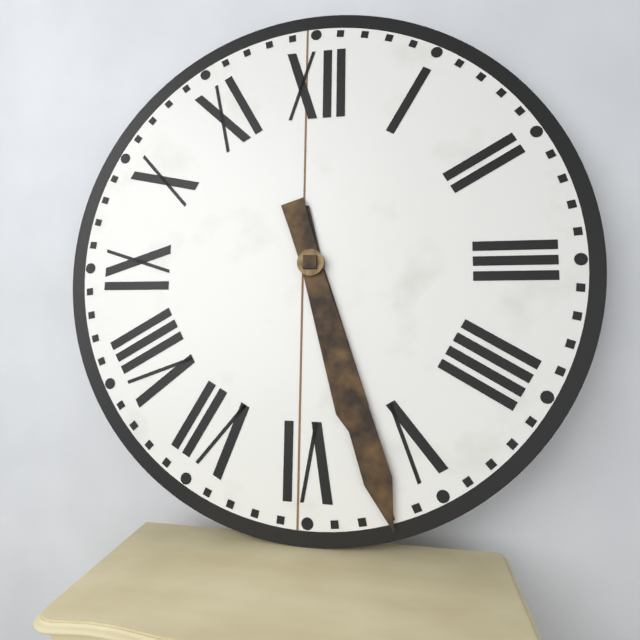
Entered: {"hour": 5, "minute": 27}
